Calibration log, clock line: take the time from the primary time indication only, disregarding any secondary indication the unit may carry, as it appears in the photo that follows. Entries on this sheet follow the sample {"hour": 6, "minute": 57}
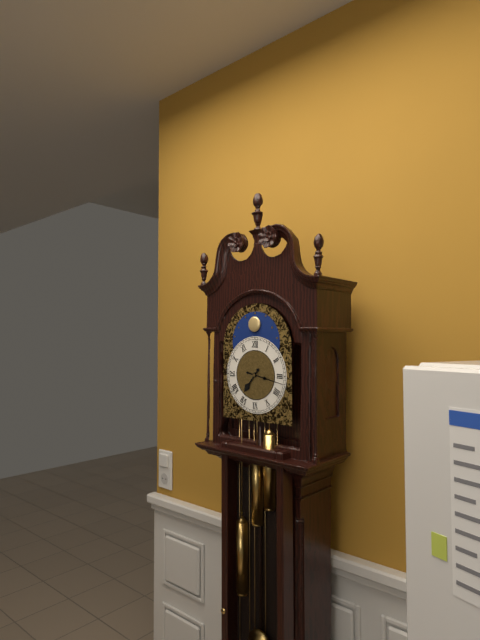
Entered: {"hour": 7, "minute": 17}
